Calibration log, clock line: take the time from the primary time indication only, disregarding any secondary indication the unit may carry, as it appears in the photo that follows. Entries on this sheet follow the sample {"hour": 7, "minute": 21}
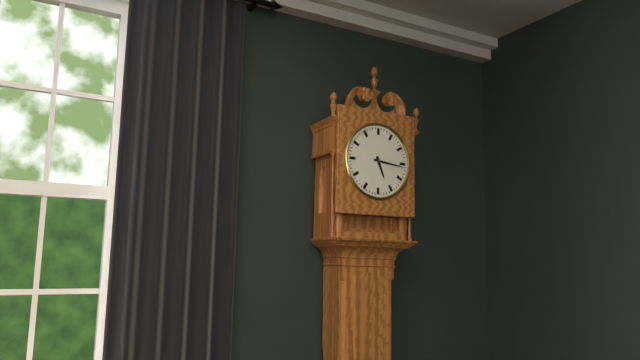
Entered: {"hour": 5, "minute": 16}
